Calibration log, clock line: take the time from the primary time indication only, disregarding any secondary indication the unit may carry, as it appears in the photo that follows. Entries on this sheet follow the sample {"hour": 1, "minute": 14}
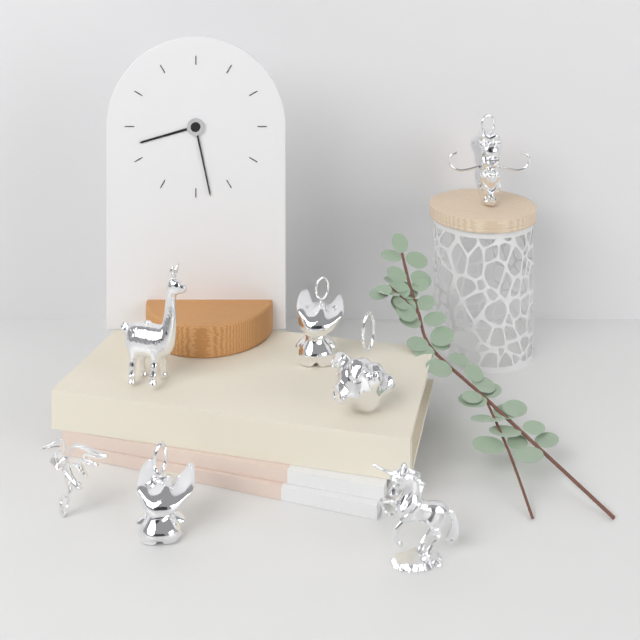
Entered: {"hour": 8, "minute": 28}
